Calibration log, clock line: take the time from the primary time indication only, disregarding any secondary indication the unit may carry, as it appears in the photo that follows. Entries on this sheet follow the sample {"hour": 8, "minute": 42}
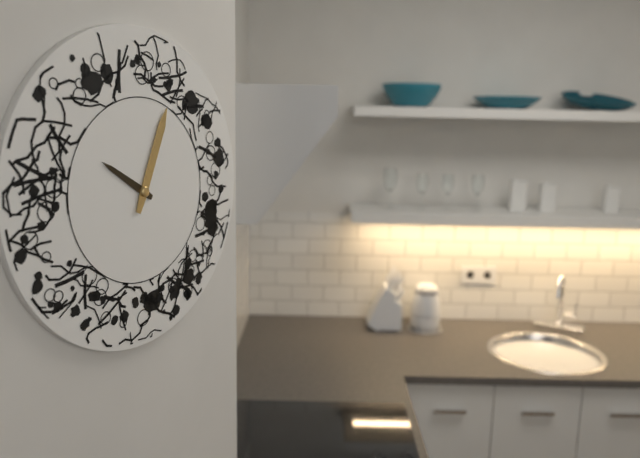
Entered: {"hour": 10, "minute": 4}
